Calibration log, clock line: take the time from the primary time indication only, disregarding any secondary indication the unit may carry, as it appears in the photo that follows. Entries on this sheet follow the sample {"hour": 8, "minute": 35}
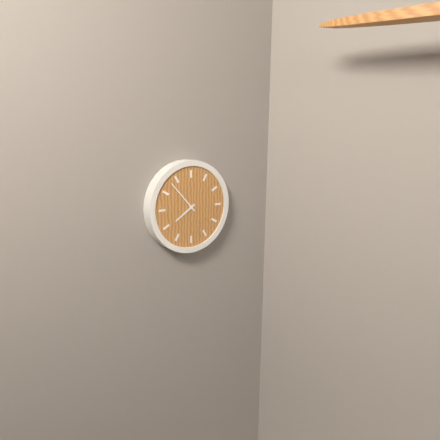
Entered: {"hour": 7, "minute": 53}
